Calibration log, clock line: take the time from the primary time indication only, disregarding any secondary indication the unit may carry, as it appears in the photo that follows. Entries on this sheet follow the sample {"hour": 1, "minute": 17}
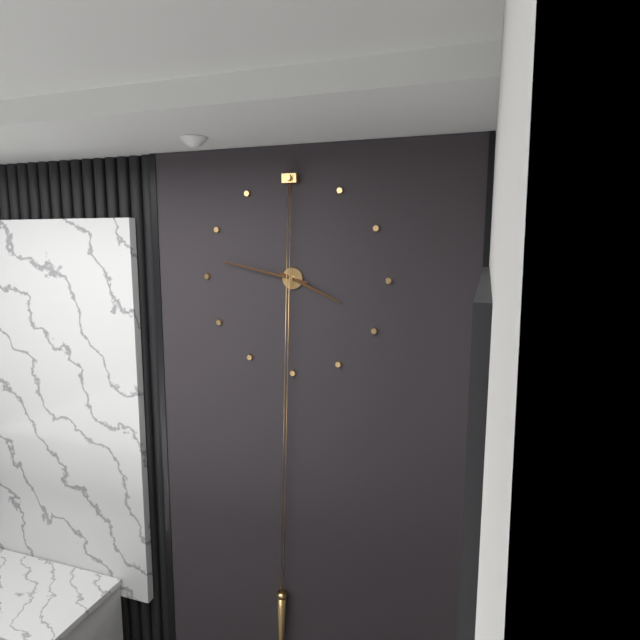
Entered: {"hour": 3, "minute": 47}
